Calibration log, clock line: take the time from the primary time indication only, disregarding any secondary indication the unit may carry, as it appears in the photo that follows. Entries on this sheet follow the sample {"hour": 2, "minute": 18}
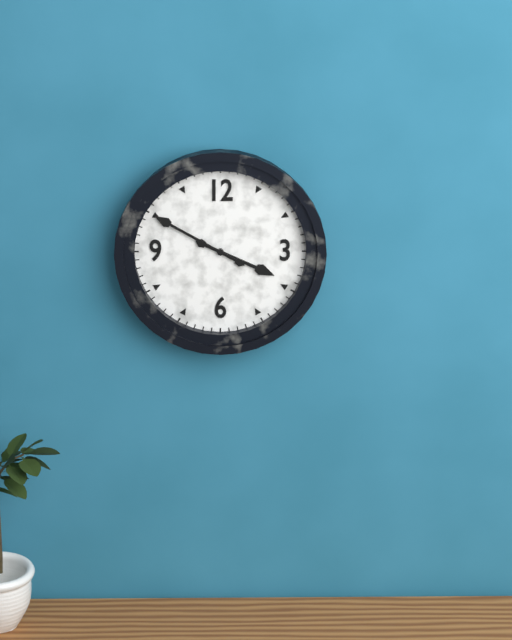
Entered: {"hour": 3, "minute": 50}
